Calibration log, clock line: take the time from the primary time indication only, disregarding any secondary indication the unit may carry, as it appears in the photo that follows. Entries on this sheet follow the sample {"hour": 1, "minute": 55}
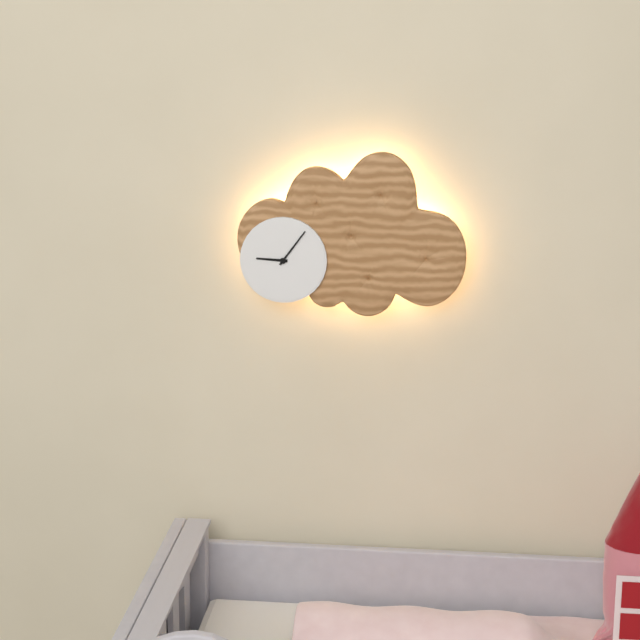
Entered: {"hour": 9, "minute": 6}
